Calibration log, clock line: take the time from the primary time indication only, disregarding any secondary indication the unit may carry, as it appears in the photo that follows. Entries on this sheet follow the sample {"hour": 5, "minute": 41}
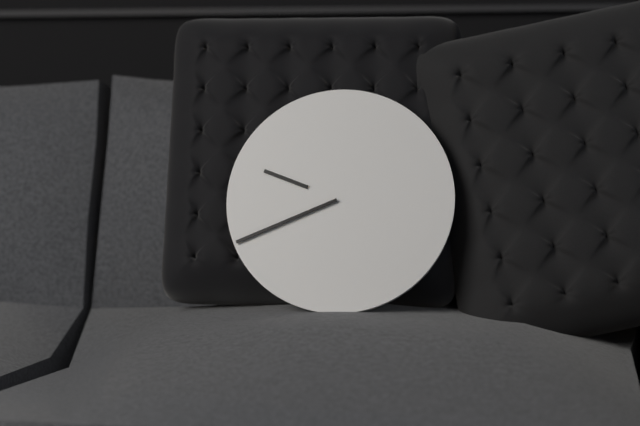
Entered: {"hour": 9, "minute": 41}
